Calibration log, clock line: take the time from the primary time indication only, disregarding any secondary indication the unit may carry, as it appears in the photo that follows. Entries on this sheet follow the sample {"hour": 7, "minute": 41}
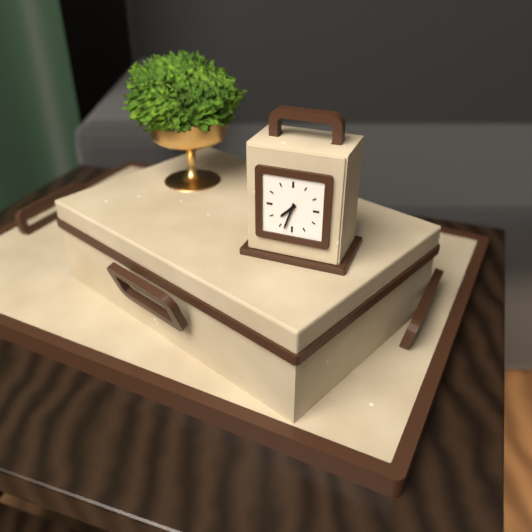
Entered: {"hour": 7, "minute": 33}
